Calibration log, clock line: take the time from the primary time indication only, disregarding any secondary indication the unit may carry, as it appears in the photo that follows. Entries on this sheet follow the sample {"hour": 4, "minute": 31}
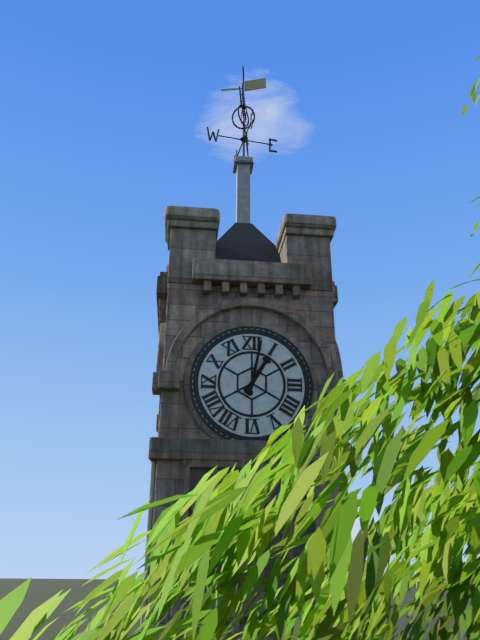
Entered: {"hour": 1, "minute": 2}
